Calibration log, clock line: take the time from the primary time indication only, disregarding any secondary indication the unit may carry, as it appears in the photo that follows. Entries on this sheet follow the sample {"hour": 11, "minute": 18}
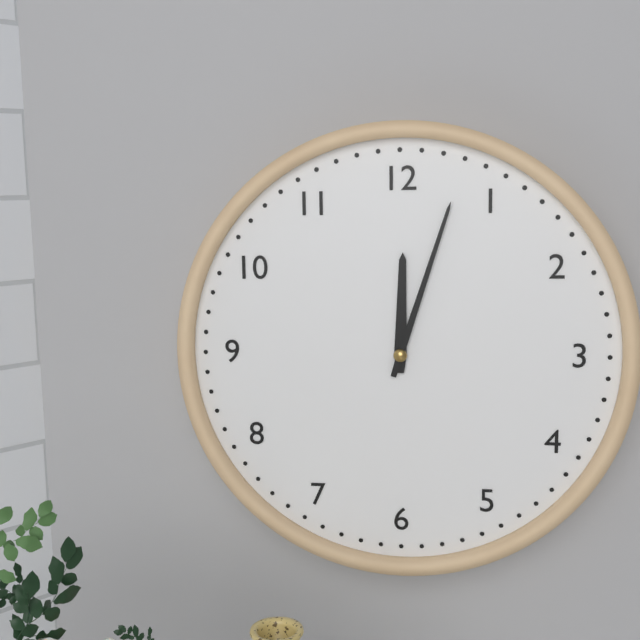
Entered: {"hour": 12, "minute": 3}
